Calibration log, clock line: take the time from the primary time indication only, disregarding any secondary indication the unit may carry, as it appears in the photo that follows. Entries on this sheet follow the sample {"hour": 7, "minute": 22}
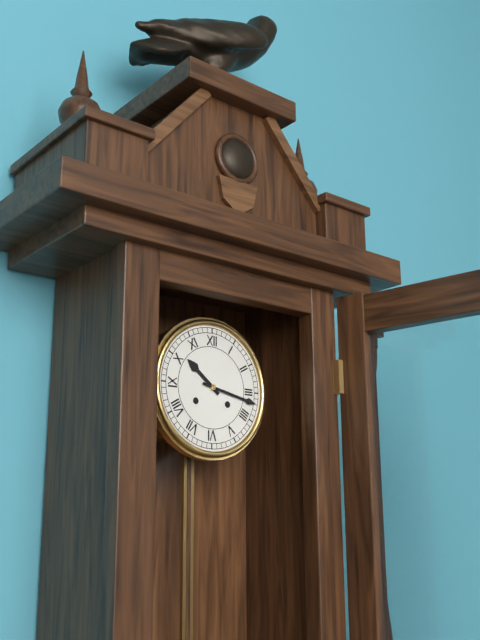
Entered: {"hour": 10, "minute": 17}
